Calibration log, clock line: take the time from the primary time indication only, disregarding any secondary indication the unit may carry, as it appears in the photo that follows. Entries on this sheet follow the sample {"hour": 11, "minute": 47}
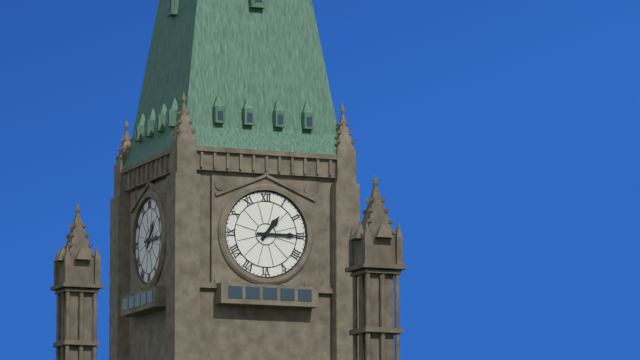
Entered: {"hour": 1, "minute": 15}
